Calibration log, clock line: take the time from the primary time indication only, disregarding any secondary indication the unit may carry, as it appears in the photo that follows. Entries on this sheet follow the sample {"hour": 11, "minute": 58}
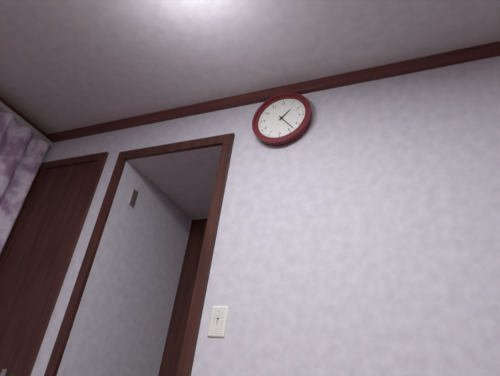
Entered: {"hour": 1, "minute": 23}
